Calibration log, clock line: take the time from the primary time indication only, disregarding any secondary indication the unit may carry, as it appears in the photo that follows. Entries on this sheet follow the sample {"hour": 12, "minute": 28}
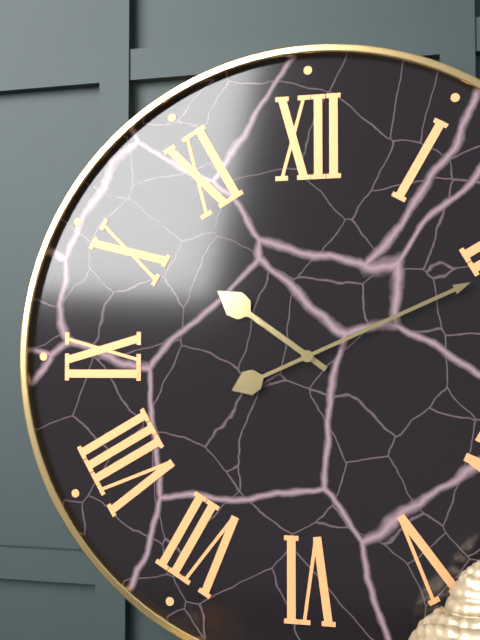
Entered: {"hour": 10, "minute": 11}
